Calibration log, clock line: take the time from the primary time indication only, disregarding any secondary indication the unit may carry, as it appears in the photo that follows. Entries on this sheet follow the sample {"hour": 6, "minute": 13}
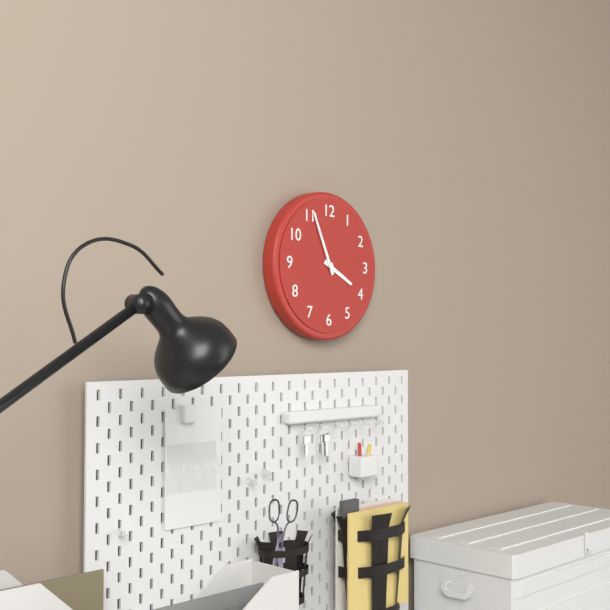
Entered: {"hour": 3, "minute": 56}
